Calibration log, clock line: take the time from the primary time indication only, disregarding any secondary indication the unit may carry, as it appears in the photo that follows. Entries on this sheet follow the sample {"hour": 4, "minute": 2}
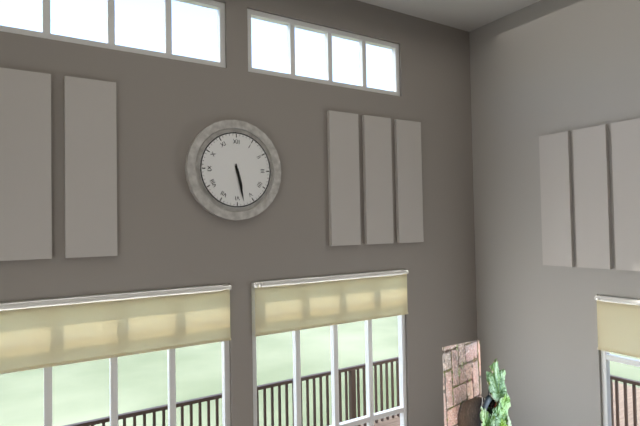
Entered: {"hour": 5, "minute": 28}
